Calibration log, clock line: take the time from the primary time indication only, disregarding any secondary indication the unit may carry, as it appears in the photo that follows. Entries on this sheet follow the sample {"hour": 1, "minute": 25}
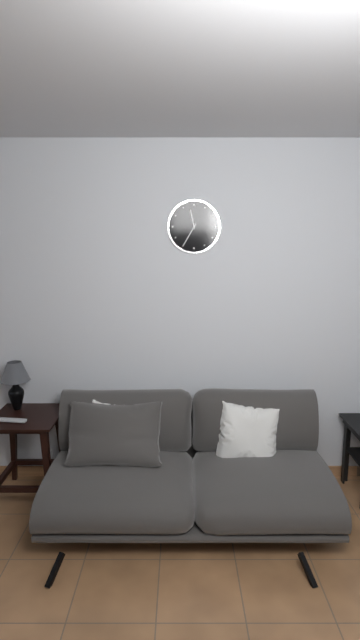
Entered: {"hour": 11, "minute": 35}
